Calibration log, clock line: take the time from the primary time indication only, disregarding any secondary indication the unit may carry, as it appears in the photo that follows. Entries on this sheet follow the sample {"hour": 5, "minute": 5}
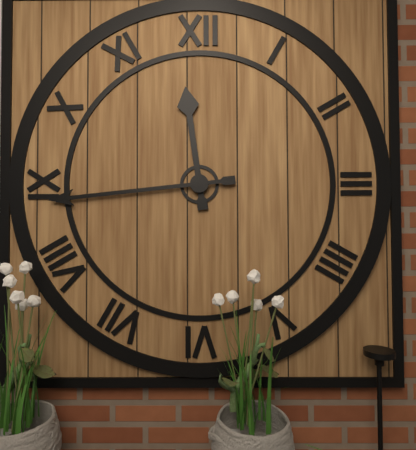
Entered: {"hour": 11, "minute": 44}
